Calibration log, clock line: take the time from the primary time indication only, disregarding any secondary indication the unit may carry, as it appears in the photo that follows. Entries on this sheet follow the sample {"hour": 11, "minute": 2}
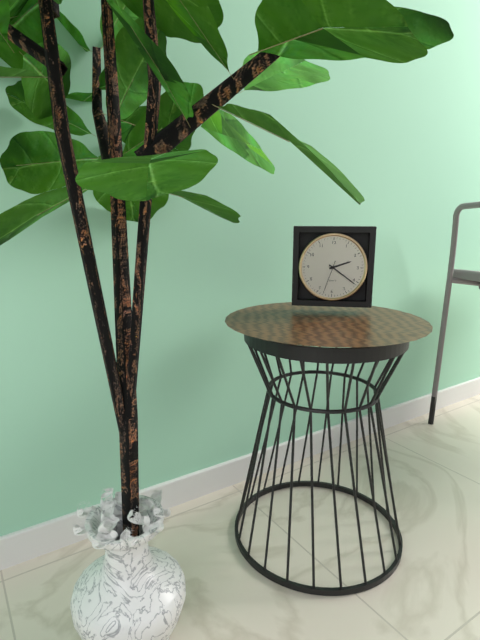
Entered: {"hour": 2, "minute": 21}
